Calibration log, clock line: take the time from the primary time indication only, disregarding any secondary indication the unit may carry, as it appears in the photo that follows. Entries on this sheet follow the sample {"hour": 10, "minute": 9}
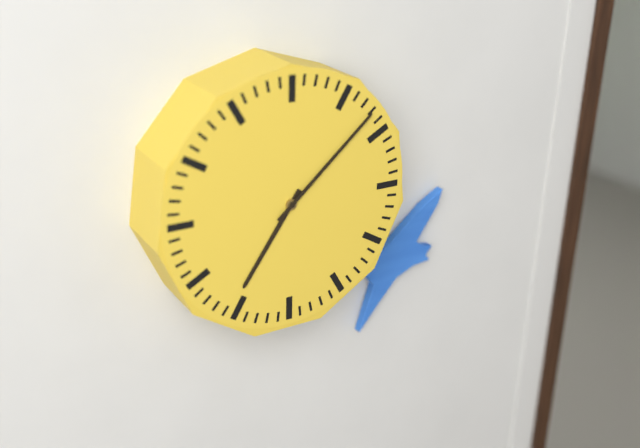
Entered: {"hour": 7, "minute": 8}
